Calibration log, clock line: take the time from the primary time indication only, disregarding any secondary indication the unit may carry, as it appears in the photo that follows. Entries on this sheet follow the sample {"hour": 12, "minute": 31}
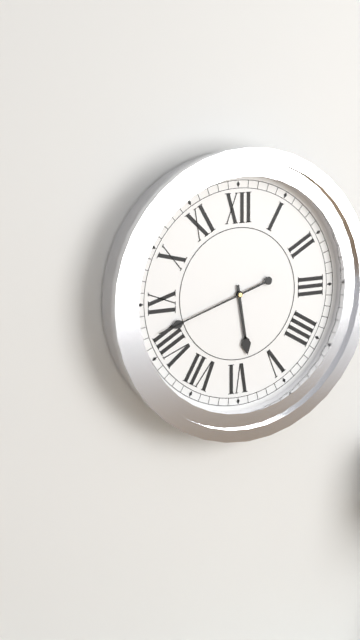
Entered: {"hour": 5, "minute": 42}
